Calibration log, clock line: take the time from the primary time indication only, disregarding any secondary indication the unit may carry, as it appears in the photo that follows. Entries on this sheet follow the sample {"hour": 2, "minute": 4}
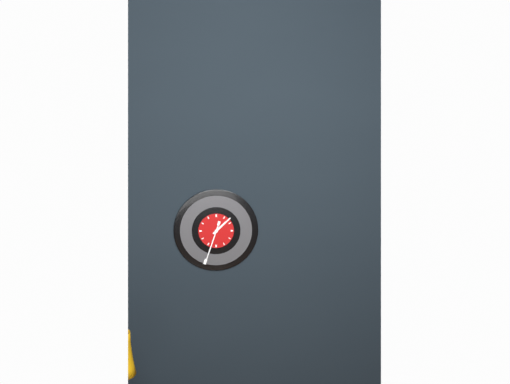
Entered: {"hour": 1, "minute": 33}
